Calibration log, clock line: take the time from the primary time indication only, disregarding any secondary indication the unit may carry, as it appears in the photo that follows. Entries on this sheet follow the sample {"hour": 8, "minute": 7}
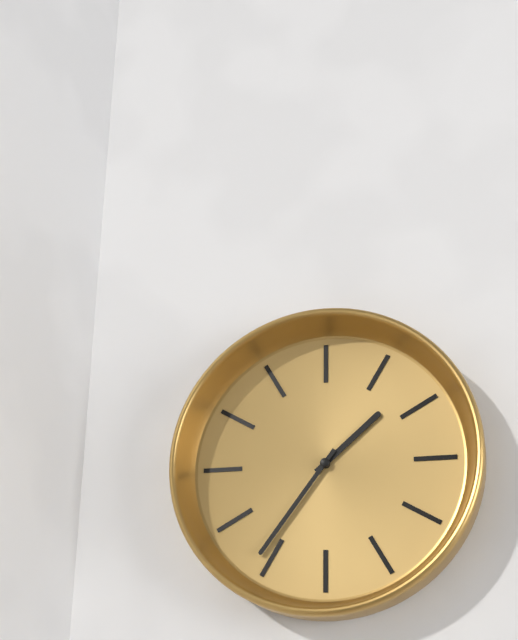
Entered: {"hour": 1, "minute": 36}
